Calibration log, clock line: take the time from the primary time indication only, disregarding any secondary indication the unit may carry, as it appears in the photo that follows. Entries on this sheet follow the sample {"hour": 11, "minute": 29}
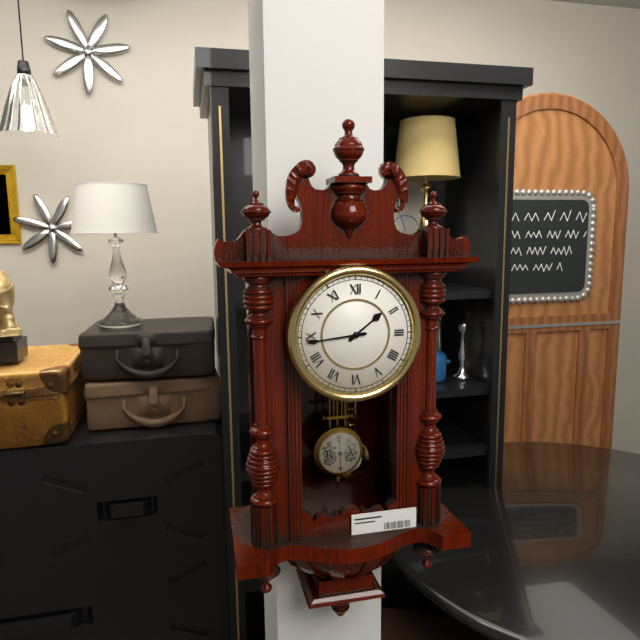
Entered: {"hour": 1, "minute": 44}
